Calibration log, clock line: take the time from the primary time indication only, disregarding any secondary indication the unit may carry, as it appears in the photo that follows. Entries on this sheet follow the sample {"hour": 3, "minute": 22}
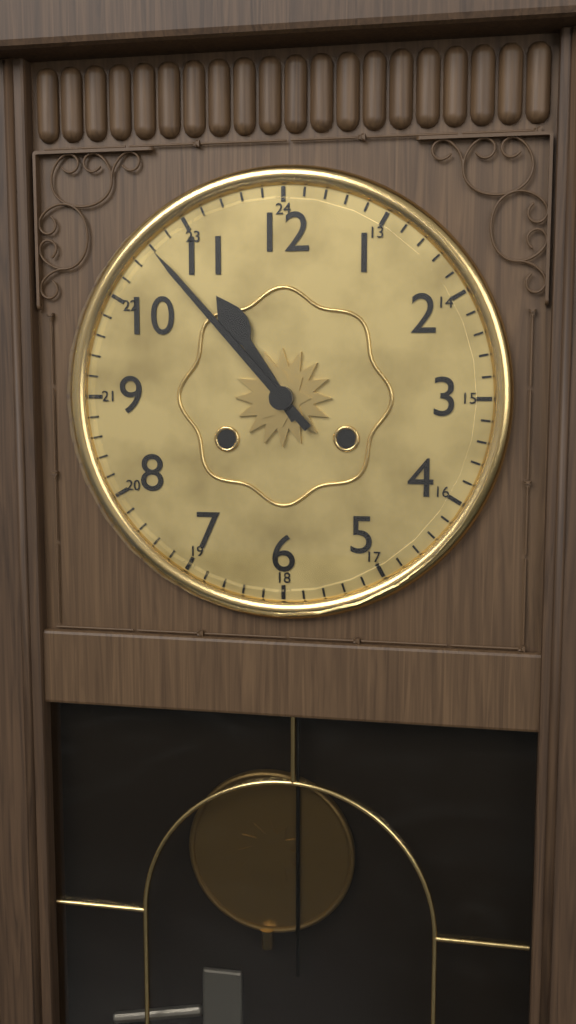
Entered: {"hour": 10, "minute": 53}
